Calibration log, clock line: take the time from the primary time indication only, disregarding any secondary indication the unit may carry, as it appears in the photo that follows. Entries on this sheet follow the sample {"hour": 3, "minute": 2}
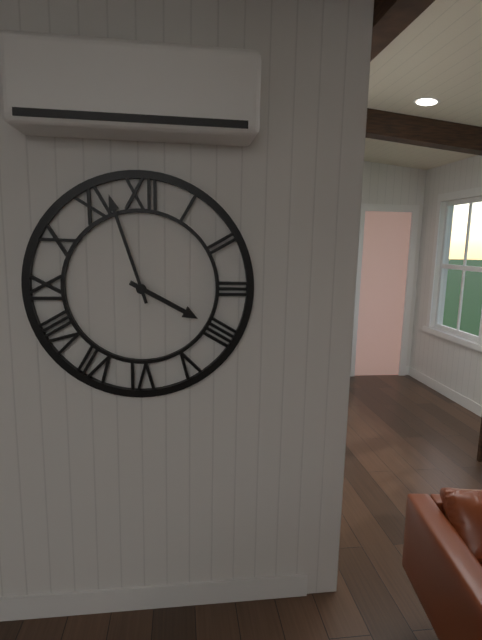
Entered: {"hour": 3, "minute": 57}
